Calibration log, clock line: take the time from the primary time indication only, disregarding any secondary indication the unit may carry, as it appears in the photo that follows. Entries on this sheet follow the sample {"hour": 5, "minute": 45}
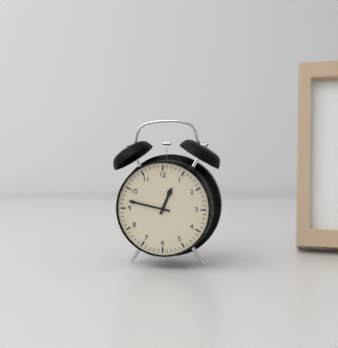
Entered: {"hour": 12, "minute": 47}
